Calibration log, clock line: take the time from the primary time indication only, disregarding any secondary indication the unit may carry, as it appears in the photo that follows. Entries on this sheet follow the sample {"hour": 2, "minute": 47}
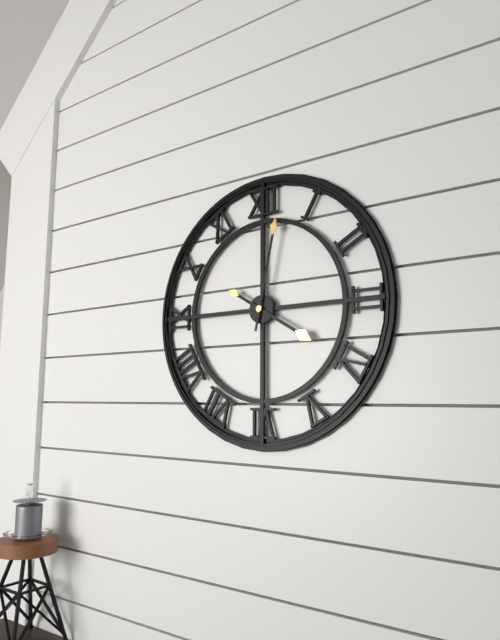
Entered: {"hour": 4, "minute": 2}
